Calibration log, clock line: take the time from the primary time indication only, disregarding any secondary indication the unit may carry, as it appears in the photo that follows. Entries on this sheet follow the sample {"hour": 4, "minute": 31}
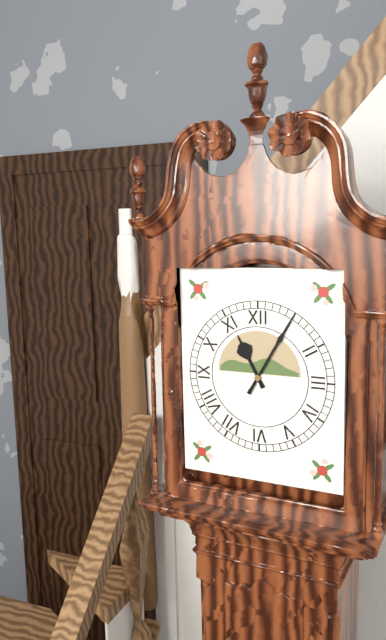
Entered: {"hour": 11, "minute": 5}
